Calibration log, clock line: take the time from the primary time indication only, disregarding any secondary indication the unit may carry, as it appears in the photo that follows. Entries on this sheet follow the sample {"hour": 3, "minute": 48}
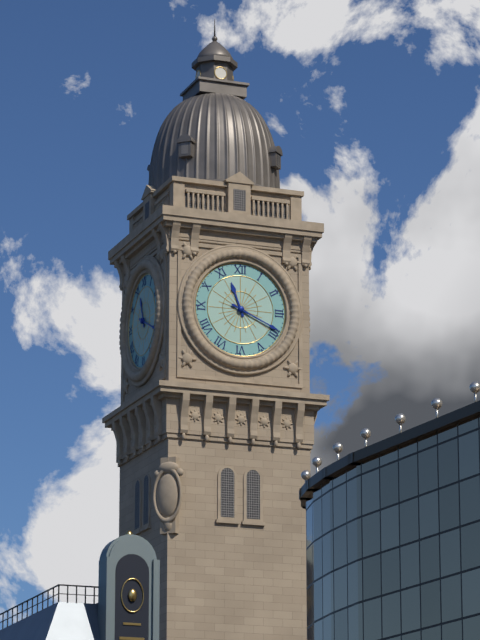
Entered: {"hour": 11, "minute": 19}
